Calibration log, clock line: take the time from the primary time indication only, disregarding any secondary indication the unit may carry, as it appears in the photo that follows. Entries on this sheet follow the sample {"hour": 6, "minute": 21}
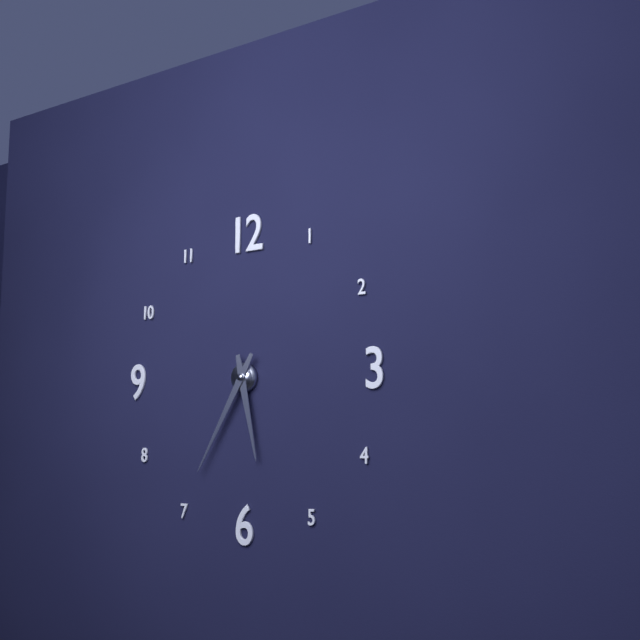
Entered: {"hour": 5, "minute": 35}
